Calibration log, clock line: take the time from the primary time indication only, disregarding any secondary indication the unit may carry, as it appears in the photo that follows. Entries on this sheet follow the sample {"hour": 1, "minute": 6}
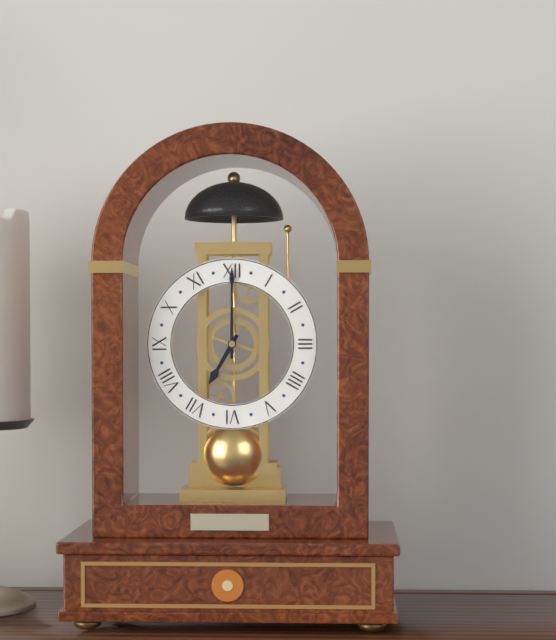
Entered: {"hour": 7, "minute": 0}
